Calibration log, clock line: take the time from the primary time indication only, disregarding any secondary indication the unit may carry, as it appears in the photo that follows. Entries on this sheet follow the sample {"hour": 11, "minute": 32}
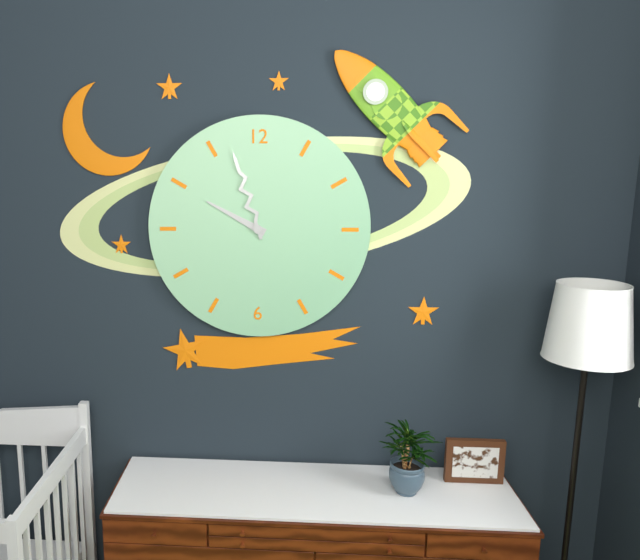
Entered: {"hour": 9, "minute": 57}
